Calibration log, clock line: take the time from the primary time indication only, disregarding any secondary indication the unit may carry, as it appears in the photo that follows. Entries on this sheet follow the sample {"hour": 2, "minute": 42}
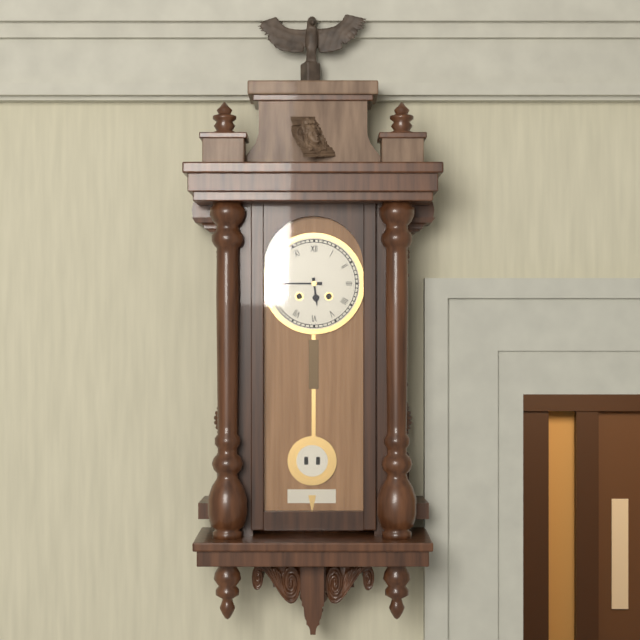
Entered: {"hour": 5, "minute": 45}
